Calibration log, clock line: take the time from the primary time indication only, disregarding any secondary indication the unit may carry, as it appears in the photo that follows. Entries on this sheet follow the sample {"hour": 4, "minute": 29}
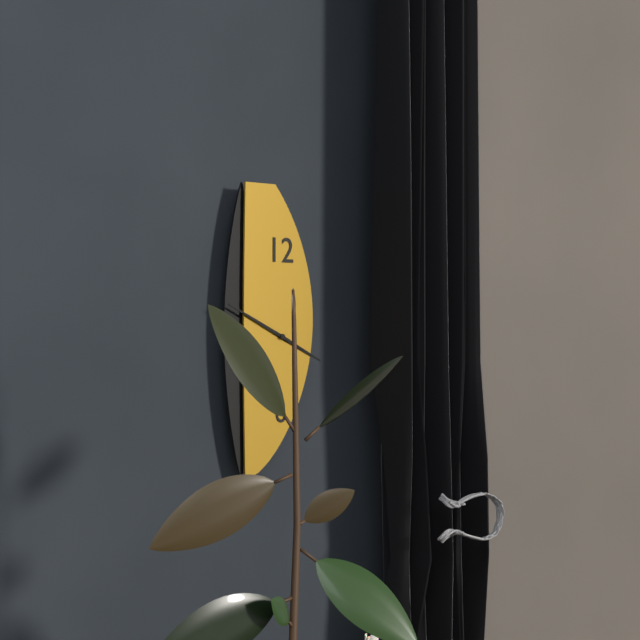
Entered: {"hour": 3, "minute": 49}
